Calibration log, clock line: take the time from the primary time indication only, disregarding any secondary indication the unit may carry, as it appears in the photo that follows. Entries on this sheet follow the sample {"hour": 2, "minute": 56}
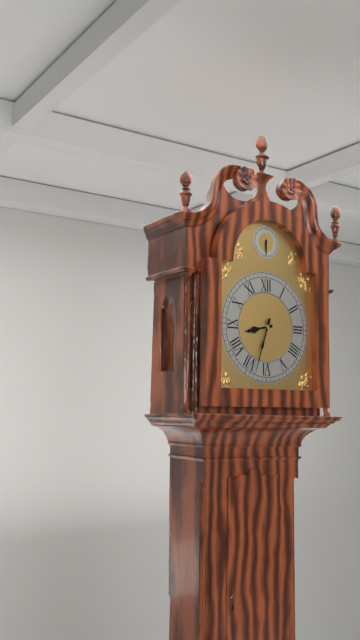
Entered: {"hour": 8, "minute": 33}
